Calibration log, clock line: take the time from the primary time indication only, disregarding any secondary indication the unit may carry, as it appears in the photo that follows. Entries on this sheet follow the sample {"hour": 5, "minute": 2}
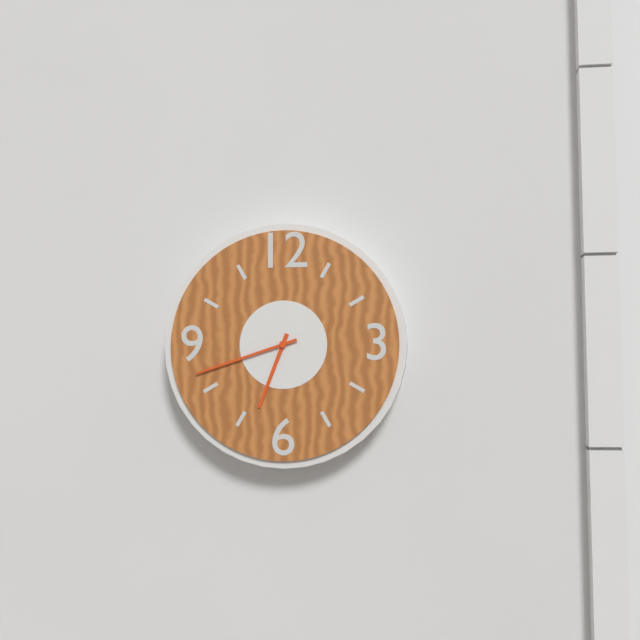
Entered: {"hour": 6, "minute": 42}
